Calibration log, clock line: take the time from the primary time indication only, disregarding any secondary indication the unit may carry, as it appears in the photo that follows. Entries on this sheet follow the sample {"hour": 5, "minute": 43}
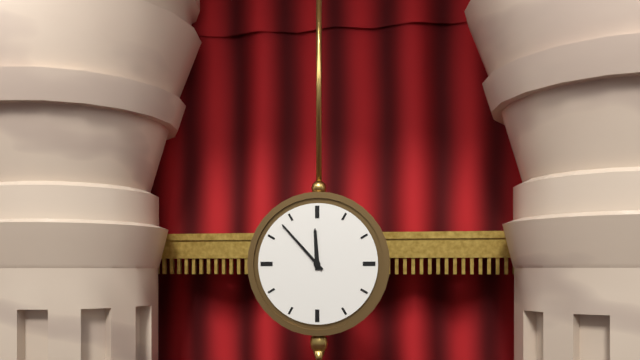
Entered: {"hour": 11, "minute": 53}
